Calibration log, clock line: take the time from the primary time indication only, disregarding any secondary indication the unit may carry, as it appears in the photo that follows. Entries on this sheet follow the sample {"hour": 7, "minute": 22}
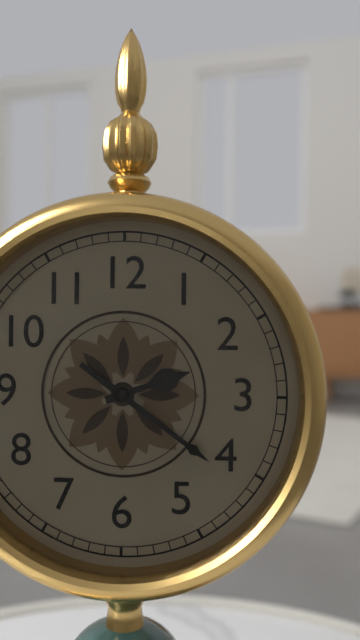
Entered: {"hour": 2, "minute": 21}
